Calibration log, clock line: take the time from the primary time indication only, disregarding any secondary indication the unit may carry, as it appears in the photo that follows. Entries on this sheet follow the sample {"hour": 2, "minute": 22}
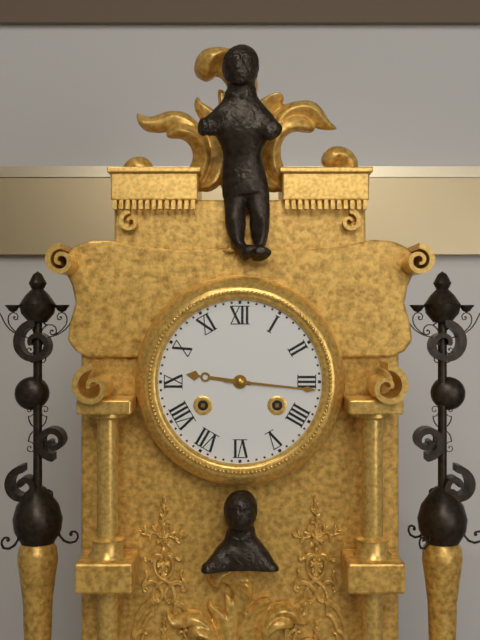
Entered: {"hour": 9, "minute": 16}
